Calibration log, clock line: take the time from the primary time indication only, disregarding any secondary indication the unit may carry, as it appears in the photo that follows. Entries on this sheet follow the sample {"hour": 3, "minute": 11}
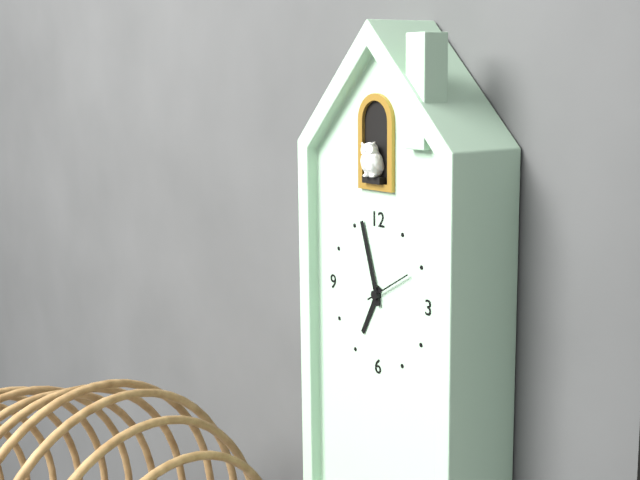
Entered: {"hour": 6, "minute": 57}
